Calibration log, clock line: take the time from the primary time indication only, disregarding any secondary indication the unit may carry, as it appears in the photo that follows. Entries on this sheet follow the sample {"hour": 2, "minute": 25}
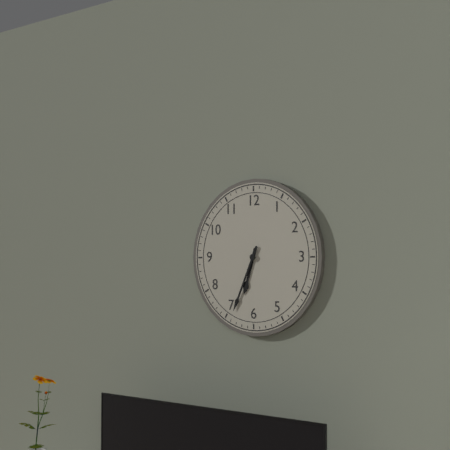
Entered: {"hour": 6, "minute": 34}
